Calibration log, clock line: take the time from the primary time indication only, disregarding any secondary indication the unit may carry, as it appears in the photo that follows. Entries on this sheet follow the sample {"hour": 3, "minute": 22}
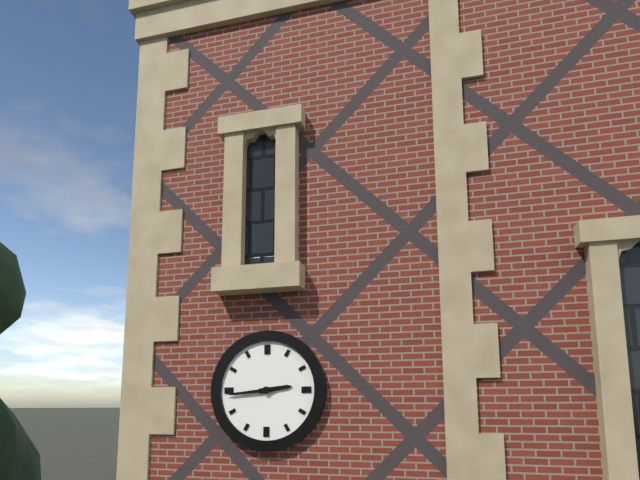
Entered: {"hour": 2, "minute": 44}
